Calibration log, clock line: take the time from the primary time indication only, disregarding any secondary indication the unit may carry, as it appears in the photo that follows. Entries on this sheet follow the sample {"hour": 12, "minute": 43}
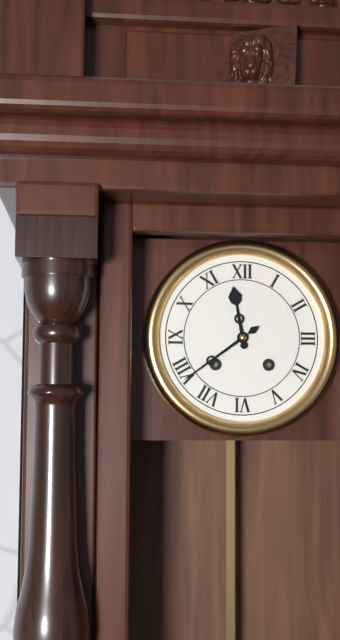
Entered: {"hour": 11, "minute": 39}
